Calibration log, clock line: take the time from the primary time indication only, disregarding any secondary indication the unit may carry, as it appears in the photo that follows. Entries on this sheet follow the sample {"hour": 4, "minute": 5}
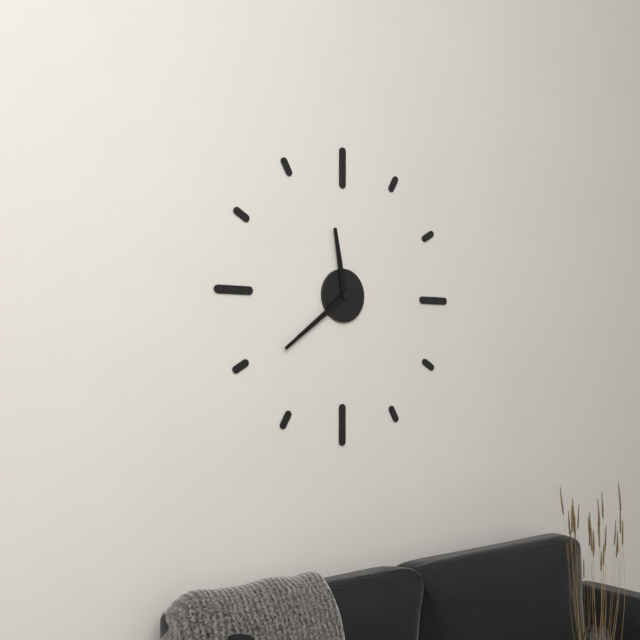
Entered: {"hour": 11, "minute": 39}
